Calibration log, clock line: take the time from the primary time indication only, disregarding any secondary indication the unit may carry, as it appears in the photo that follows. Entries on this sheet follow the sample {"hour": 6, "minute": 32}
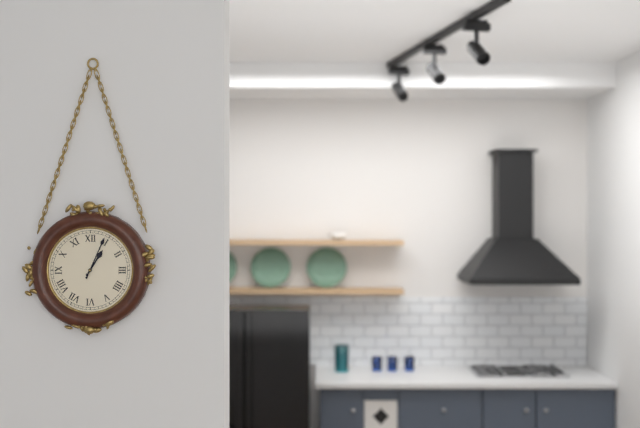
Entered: {"hour": 1, "minute": 4}
